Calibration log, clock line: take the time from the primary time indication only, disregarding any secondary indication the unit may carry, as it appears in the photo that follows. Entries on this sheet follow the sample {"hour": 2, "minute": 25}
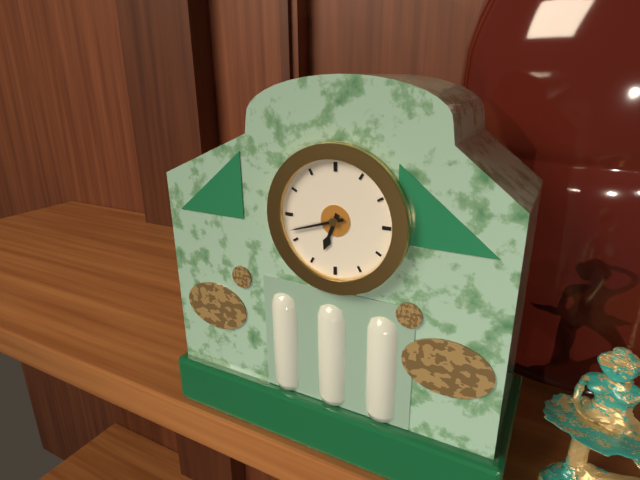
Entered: {"hour": 6, "minute": 42}
